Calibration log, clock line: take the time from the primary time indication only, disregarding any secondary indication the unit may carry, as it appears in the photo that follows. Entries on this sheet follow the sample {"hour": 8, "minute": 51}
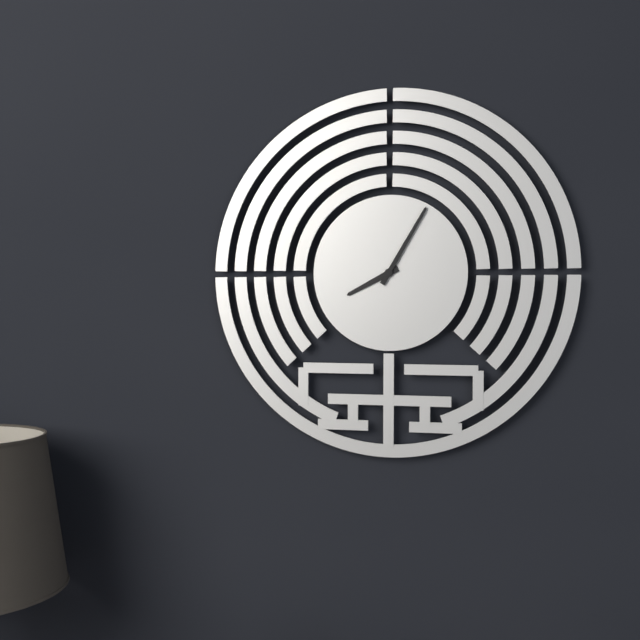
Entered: {"hour": 8, "minute": 5}
